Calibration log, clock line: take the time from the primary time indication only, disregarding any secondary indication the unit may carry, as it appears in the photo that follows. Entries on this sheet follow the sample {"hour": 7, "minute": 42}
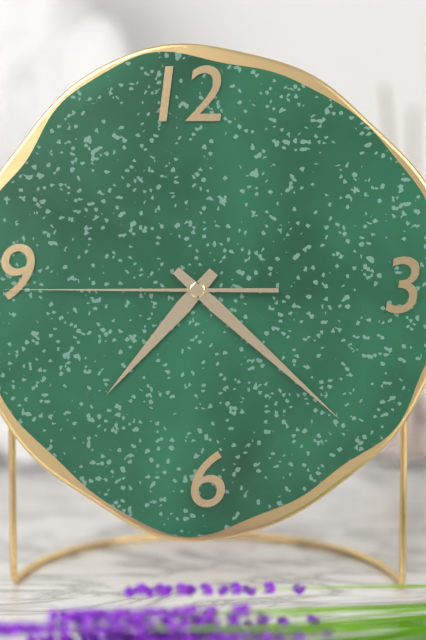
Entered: {"hour": 7, "minute": 22}
